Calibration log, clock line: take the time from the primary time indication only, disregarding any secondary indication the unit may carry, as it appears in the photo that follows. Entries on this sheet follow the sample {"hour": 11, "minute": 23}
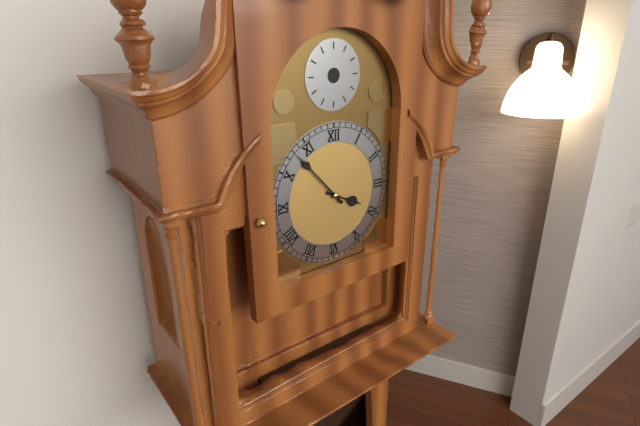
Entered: {"hour": 3, "minute": 53}
